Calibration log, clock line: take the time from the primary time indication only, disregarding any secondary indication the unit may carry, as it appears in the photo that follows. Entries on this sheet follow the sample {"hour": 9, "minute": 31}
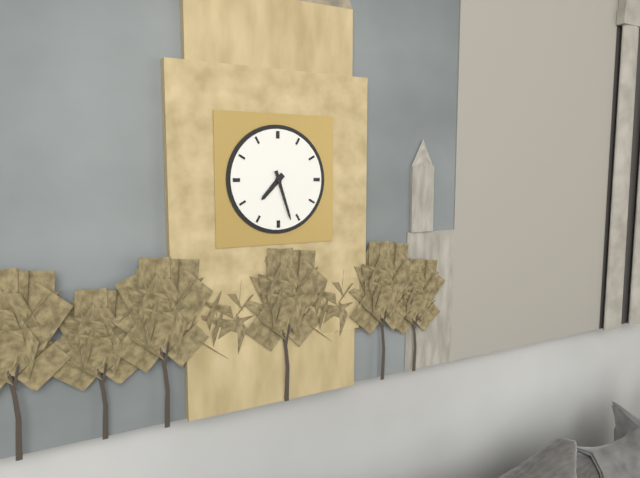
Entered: {"hour": 7, "minute": 27}
